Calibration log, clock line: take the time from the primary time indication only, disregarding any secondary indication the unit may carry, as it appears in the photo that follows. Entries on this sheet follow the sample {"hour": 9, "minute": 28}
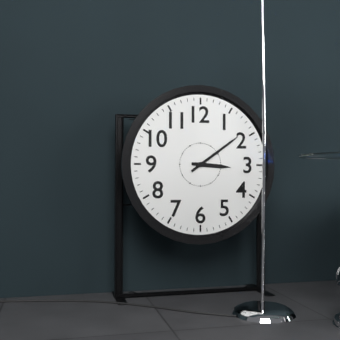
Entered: {"hour": 3, "minute": 9}
